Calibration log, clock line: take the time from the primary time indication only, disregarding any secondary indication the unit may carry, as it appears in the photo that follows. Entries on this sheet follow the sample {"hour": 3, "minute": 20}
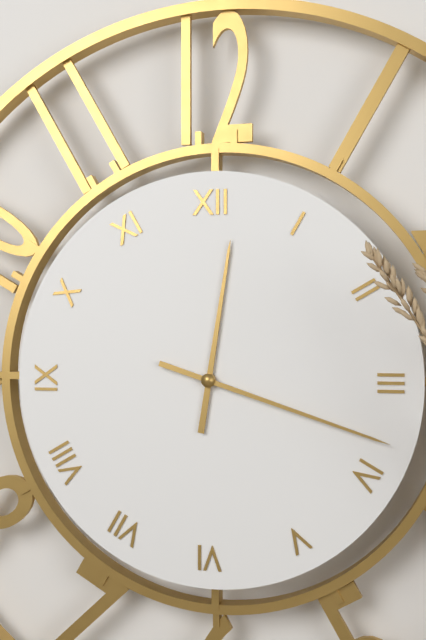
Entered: {"hour": 12, "minute": 18}
